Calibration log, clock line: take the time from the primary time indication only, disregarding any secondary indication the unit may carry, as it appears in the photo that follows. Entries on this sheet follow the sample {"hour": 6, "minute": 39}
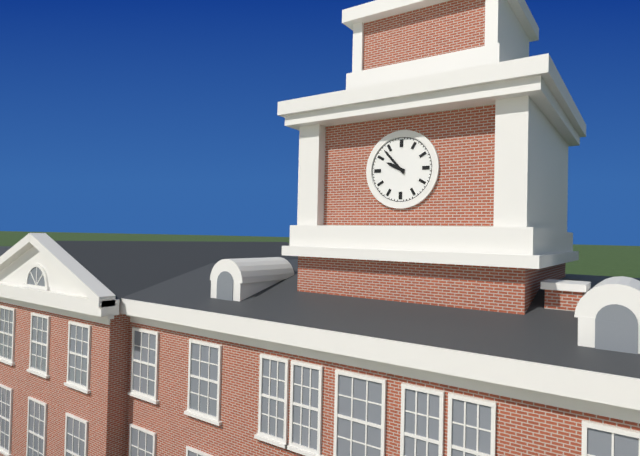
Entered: {"hour": 9, "minute": 53}
